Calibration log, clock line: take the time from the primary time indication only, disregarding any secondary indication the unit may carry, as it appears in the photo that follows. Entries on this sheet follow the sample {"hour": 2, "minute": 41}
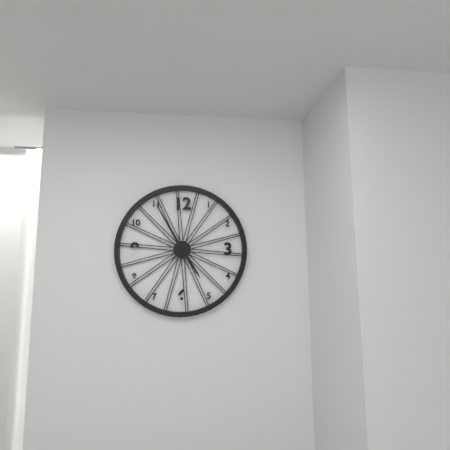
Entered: {"hour": 4, "minute": 55}
